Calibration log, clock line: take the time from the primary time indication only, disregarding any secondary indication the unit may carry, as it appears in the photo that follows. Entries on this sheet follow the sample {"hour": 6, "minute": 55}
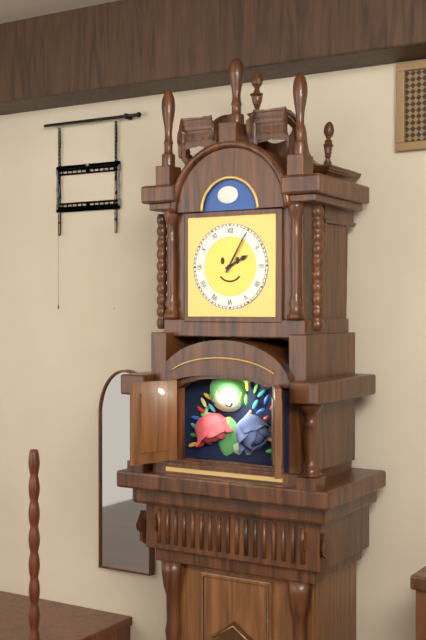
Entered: {"hour": 2, "minute": 5}
